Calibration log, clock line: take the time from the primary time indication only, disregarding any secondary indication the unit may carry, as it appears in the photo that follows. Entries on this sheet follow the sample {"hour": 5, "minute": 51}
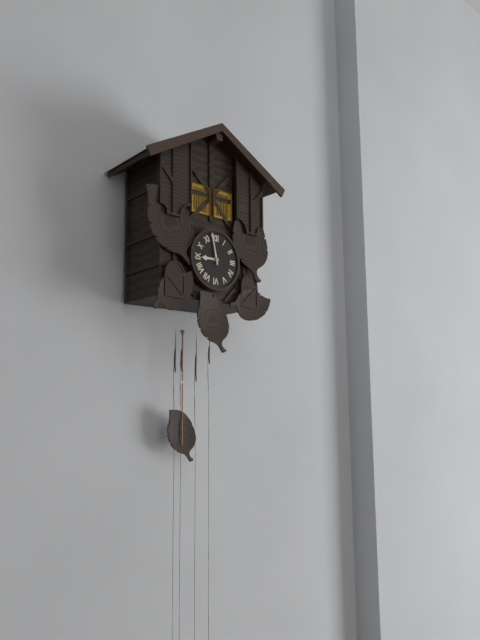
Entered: {"hour": 8, "minute": 58}
